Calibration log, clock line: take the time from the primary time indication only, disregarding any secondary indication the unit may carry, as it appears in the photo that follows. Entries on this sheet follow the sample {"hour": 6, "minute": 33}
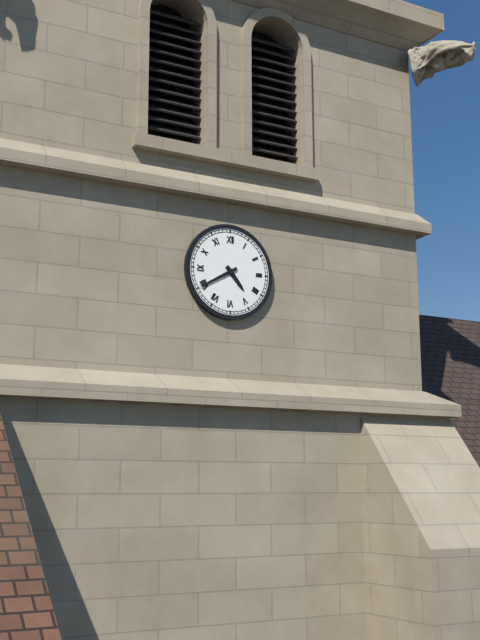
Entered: {"hour": 4, "minute": 40}
